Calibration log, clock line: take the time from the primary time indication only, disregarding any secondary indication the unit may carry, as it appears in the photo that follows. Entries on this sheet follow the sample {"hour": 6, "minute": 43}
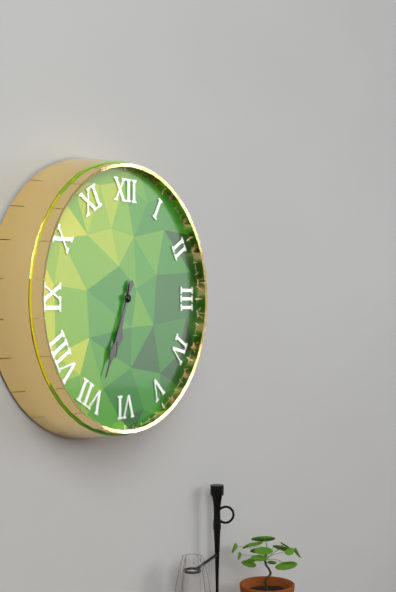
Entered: {"hour": 6, "minute": 34}
